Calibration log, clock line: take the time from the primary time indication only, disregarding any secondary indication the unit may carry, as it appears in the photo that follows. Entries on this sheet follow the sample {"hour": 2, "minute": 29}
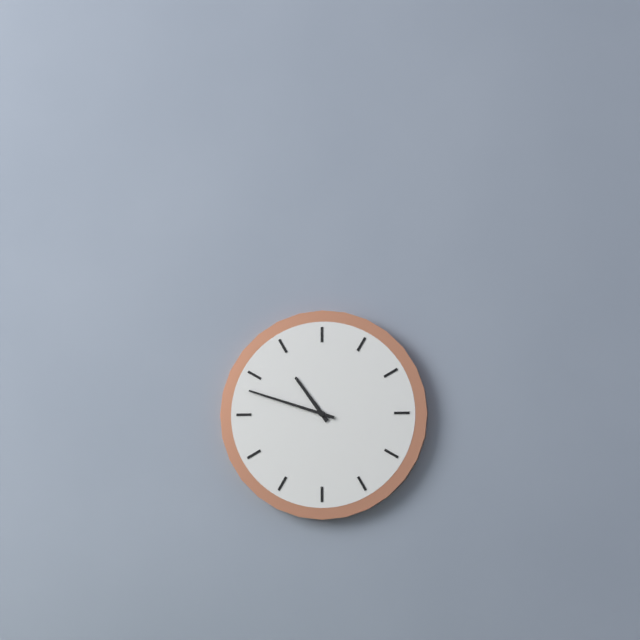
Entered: {"hour": 10, "minute": 48}
